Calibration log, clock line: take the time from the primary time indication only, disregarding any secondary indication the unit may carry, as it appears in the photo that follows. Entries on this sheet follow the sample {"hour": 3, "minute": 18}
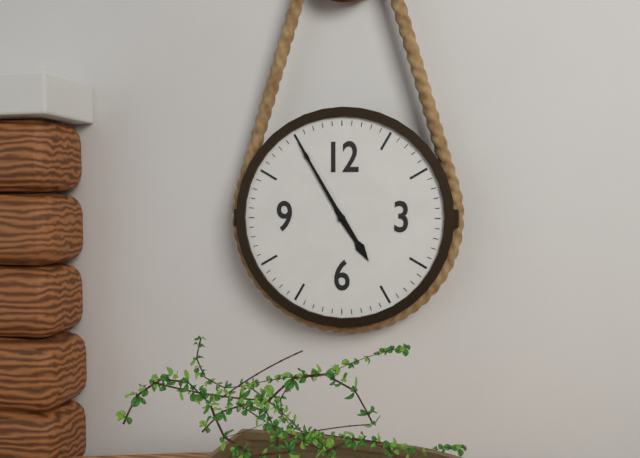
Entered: {"hour": 4, "minute": 55}
